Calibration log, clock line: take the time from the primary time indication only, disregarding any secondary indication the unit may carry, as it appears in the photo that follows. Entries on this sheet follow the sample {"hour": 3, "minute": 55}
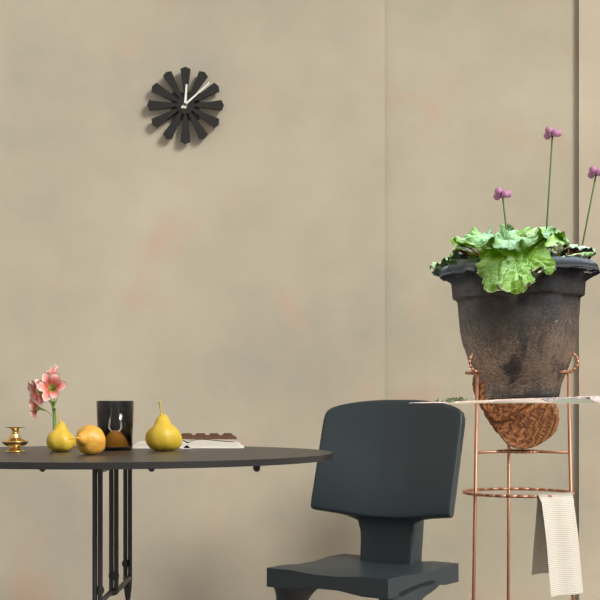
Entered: {"hour": 12, "minute": 8}
